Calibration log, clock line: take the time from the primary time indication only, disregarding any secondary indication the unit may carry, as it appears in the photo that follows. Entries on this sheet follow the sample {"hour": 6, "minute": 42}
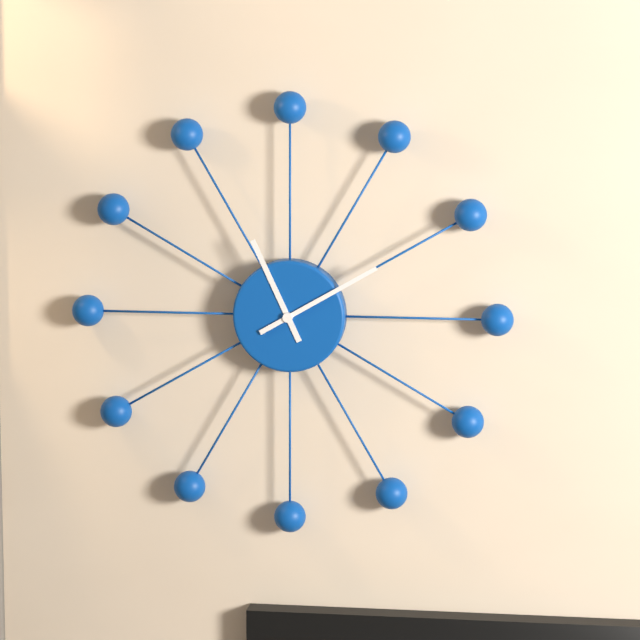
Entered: {"hour": 11, "minute": 10}
